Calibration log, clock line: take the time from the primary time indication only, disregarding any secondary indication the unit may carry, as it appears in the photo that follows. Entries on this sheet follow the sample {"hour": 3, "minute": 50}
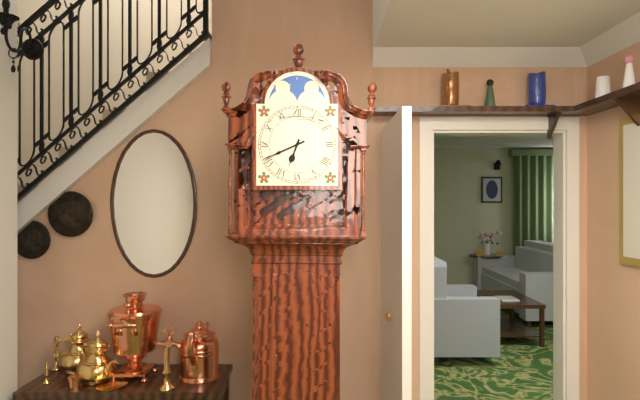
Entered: {"hour": 6, "minute": 41}
